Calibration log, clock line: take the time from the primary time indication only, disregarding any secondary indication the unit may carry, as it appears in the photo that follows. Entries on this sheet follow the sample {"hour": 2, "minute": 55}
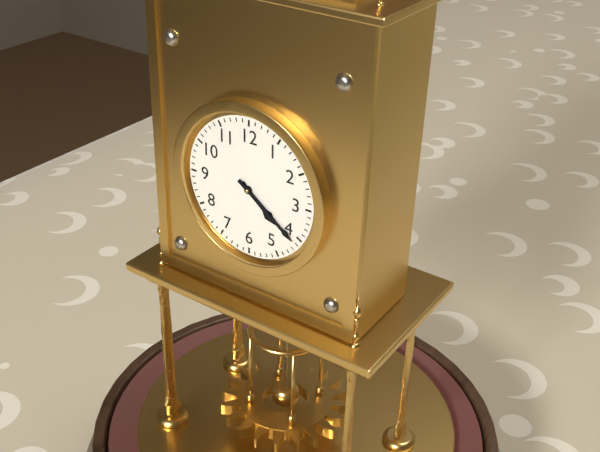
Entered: {"hour": 4, "minute": 21}
